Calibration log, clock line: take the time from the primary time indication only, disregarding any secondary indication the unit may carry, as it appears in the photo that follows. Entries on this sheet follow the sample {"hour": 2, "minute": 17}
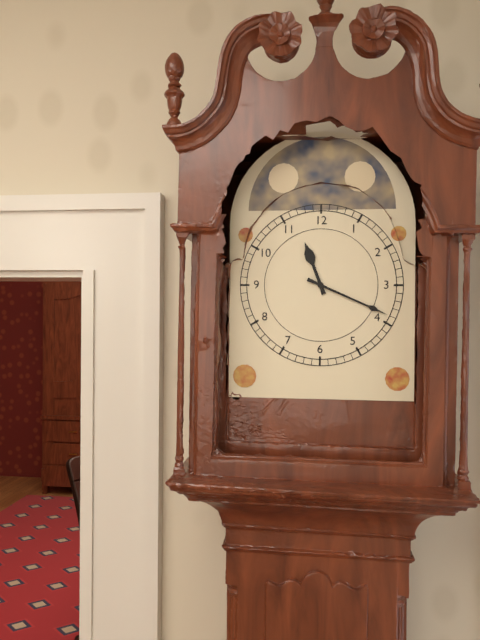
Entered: {"hour": 11, "minute": 19}
